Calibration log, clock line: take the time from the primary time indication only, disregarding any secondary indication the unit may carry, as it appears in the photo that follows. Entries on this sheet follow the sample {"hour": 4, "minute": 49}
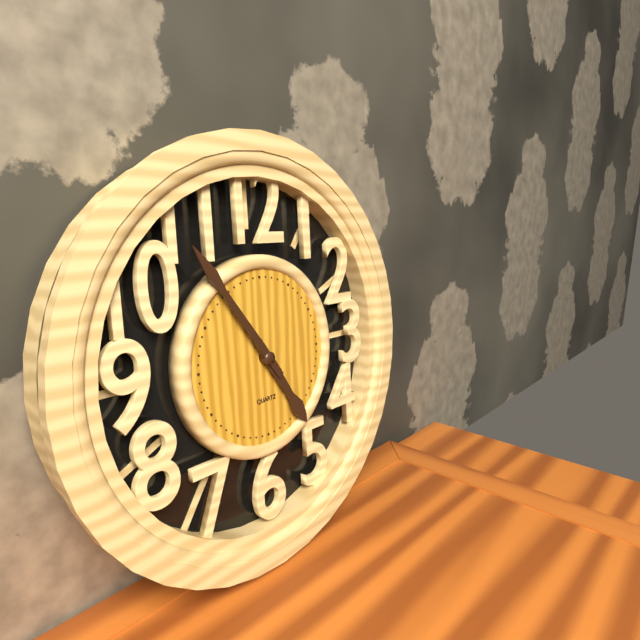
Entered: {"hour": 4, "minute": 54}
